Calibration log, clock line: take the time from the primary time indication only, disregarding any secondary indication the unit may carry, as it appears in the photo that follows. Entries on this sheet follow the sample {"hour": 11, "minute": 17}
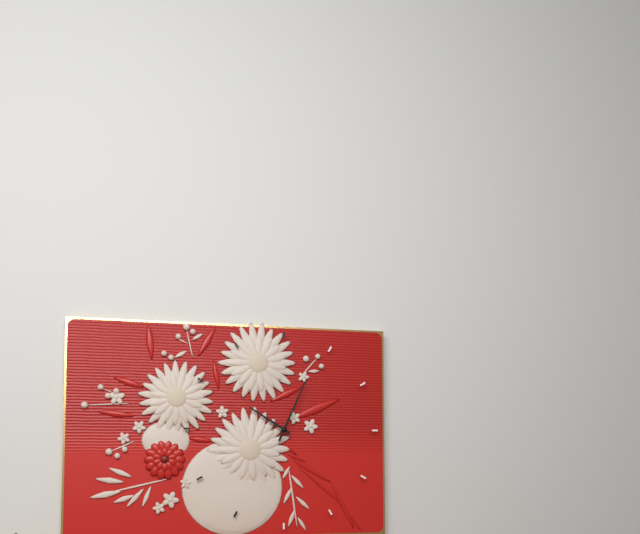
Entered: {"hour": 10, "minute": 4}
